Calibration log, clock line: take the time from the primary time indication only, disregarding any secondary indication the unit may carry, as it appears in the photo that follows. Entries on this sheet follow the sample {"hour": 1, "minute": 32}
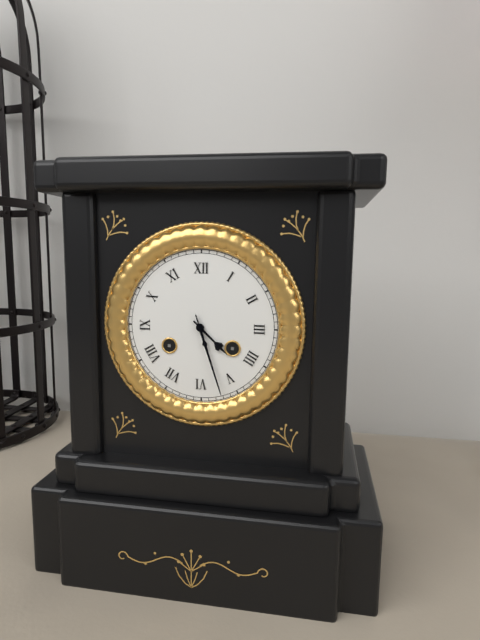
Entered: {"hour": 4, "minute": 27}
